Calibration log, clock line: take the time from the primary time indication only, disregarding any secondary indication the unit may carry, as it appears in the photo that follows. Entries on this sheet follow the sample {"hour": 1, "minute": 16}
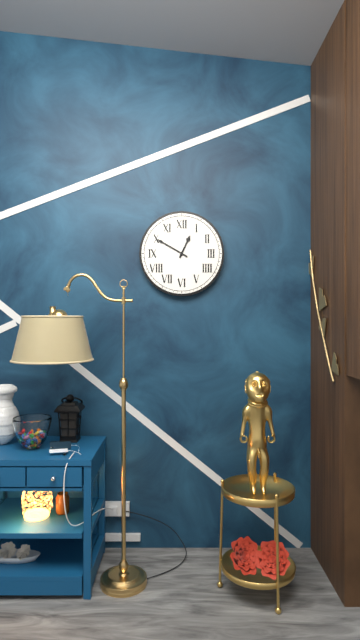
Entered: {"hour": 12, "minute": 50}
